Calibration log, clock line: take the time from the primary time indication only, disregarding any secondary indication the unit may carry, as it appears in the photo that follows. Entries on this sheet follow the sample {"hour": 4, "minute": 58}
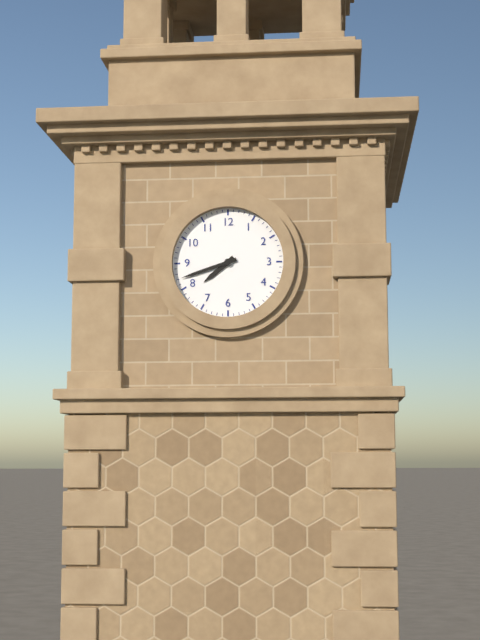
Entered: {"hour": 7, "minute": 42}
